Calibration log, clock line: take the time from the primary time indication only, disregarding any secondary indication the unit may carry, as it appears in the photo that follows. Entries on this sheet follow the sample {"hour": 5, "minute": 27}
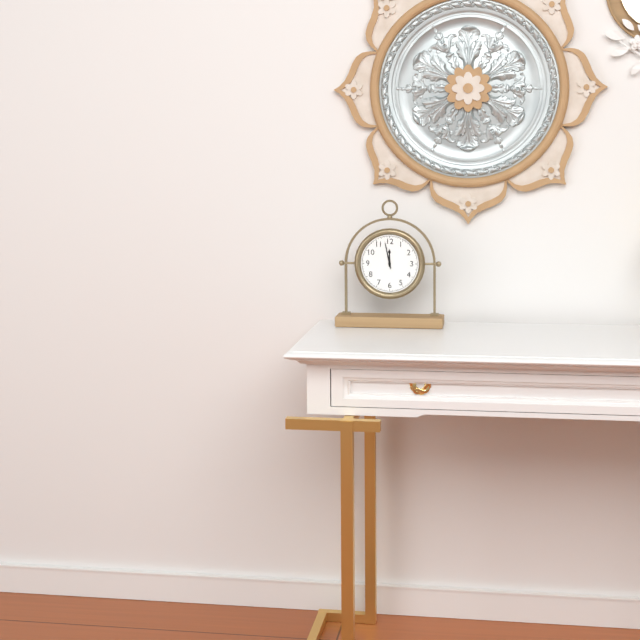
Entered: {"hour": 11, "minute": 58}
